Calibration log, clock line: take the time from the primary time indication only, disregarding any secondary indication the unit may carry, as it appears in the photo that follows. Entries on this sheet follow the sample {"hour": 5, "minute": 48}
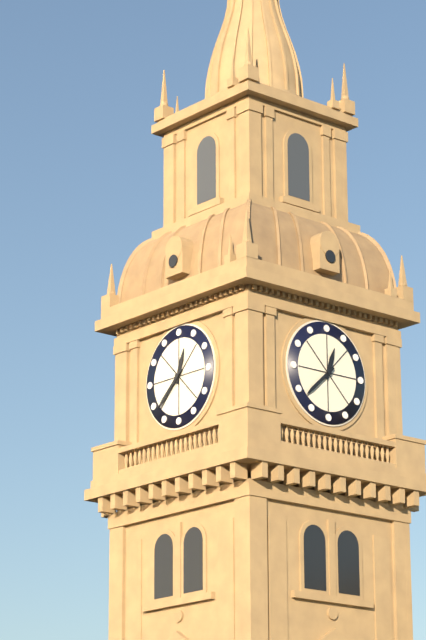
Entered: {"hour": 12, "minute": 38}
